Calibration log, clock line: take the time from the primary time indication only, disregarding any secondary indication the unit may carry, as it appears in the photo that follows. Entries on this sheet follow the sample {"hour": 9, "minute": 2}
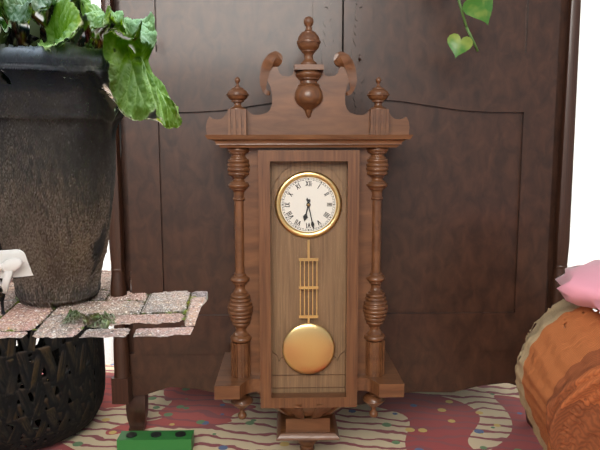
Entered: {"hour": 6, "minute": 28}
